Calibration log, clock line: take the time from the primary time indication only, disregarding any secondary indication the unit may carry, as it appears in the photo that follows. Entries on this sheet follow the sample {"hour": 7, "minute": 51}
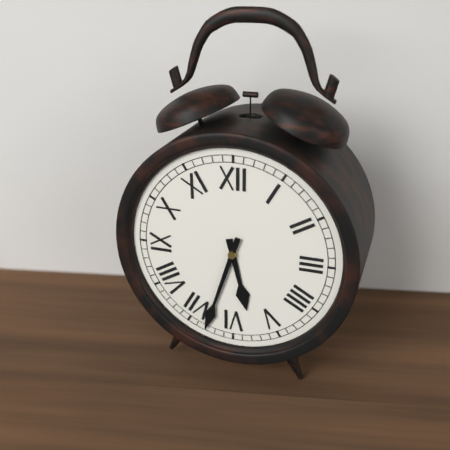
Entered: {"hour": 5, "minute": 33}
